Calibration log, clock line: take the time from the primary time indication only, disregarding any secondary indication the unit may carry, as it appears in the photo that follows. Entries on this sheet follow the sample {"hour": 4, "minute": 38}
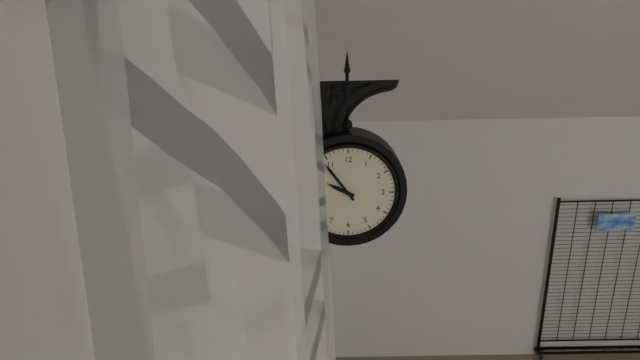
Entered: {"hour": 9, "minute": 54}
